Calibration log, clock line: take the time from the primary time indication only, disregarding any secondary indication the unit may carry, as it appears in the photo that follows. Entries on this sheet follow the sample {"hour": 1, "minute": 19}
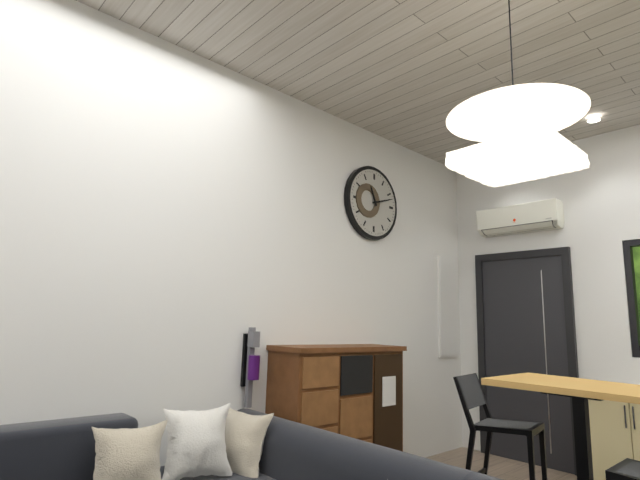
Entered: {"hour": 11, "minute": 12}
